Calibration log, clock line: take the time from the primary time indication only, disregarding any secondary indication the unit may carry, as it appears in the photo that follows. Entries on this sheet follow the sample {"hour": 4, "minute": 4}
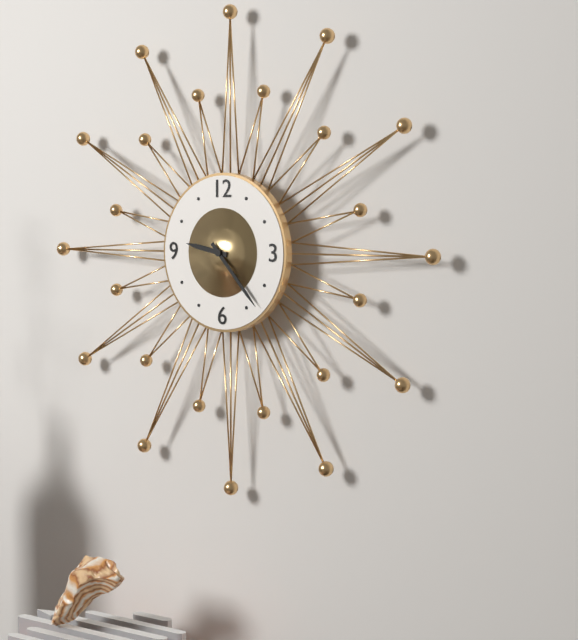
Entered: {"hour": 9, "minute": 23}
